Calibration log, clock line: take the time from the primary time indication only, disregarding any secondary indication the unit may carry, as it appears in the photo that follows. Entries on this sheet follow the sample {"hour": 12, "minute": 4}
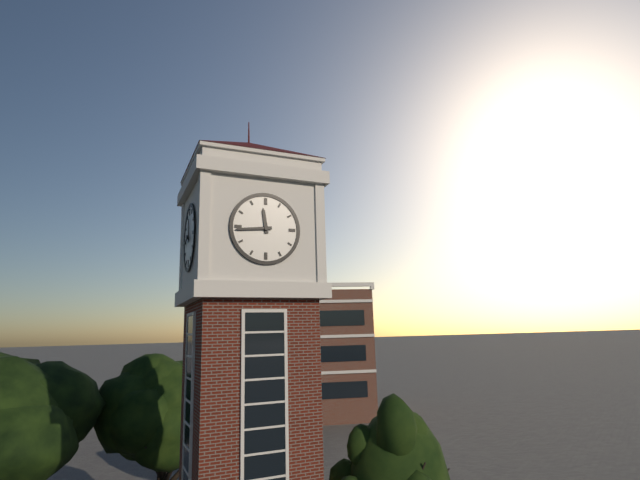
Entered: {"hour": 11, "minute": 44}
